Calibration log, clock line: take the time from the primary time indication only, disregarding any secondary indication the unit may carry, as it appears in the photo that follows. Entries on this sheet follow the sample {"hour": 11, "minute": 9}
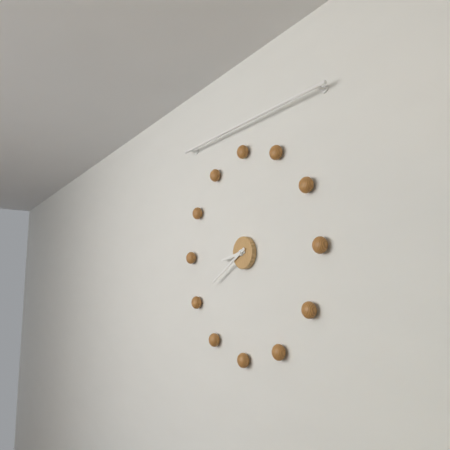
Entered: {"hour": 8, "minute": 40}
